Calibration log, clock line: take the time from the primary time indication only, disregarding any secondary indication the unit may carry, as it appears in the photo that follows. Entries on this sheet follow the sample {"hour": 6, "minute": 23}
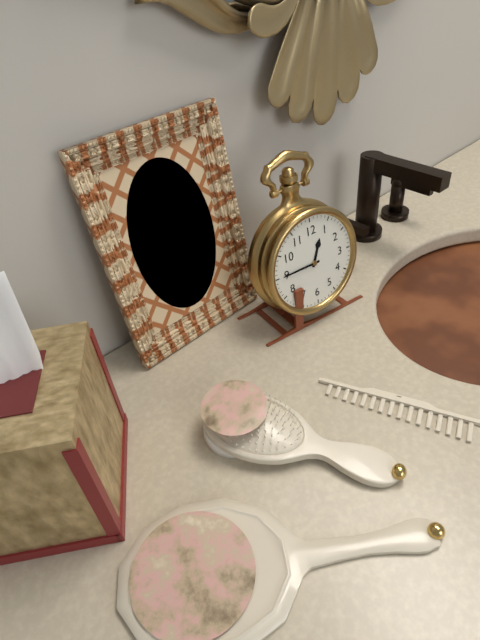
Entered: {"hour": 12, "minute": 45}
